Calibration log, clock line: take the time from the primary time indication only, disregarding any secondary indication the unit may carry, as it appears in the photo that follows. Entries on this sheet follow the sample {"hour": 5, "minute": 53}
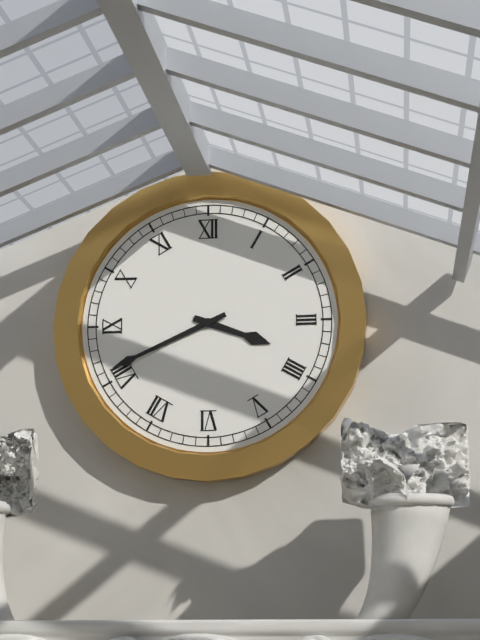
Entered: {"hour": 3, "minute": 41}
